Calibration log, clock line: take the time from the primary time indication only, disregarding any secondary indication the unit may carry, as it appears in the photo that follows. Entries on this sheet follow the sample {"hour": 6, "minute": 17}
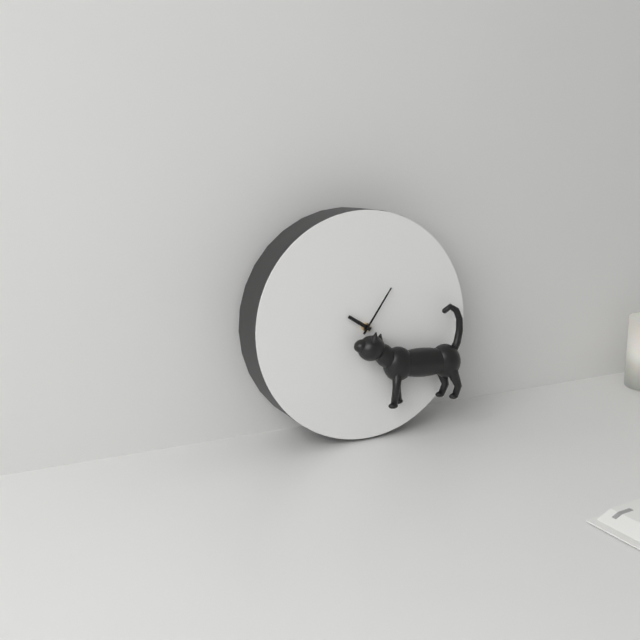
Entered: {"hour": 10, "minute": 6}
